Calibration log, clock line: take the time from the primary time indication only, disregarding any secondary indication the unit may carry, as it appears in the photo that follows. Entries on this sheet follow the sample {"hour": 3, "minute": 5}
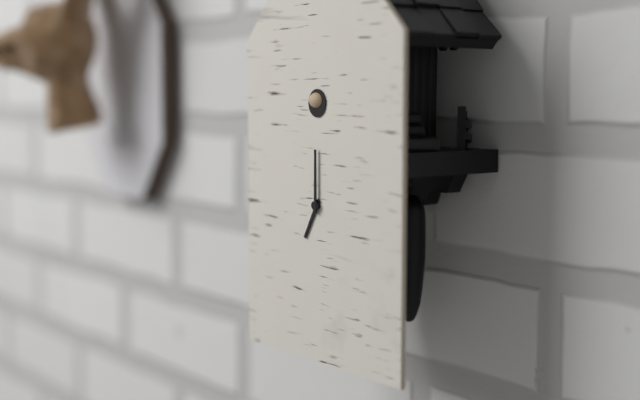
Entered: {"hour": 7, "minute": 0}
